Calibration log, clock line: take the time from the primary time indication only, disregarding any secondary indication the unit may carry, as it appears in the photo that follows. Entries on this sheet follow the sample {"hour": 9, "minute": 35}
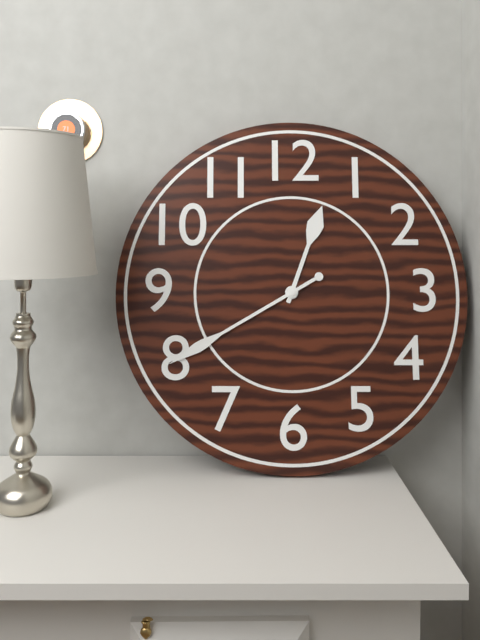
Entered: {"hour": 12, "minute": 40}
